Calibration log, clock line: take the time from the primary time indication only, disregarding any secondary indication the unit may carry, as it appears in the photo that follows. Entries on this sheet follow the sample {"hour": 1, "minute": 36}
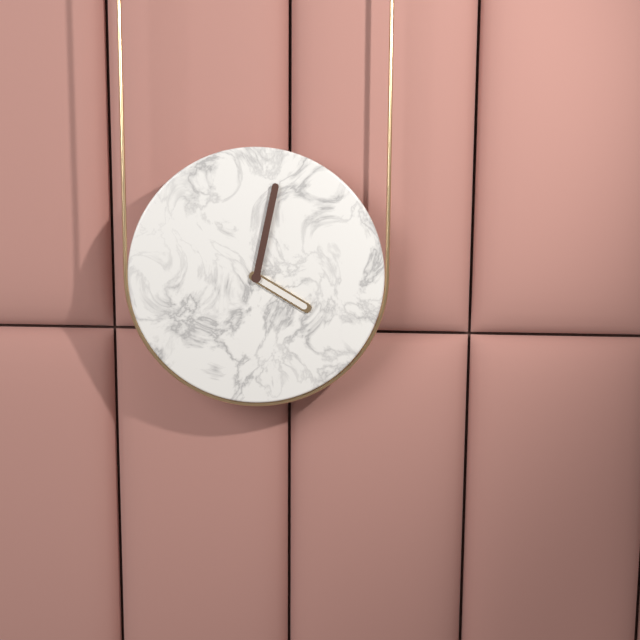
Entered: {"hour": 4, "minute": 2}
